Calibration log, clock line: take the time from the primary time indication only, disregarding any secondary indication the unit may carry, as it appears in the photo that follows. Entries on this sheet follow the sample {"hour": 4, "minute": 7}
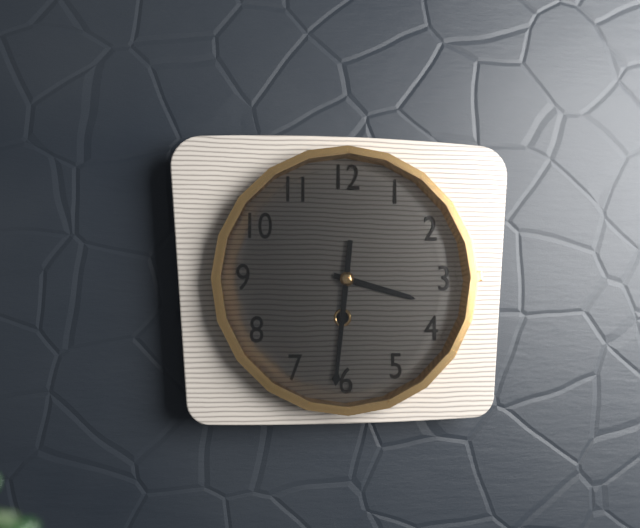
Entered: {"hour": 3, "minute": 31}
